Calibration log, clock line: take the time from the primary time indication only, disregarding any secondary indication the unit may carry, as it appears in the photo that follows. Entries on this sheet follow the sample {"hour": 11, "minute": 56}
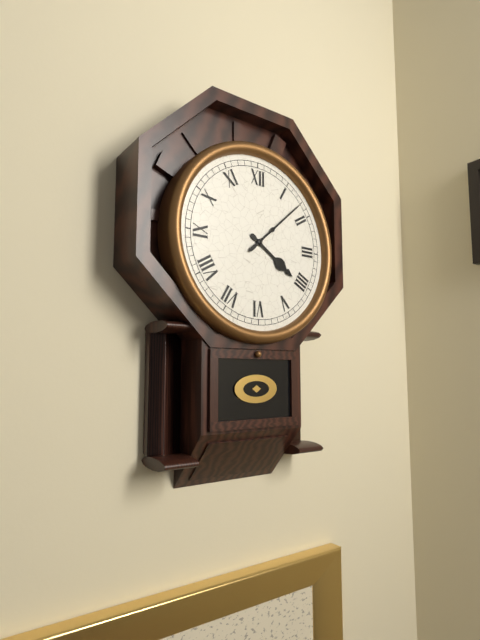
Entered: {"hour": 4, "minute": 8}
